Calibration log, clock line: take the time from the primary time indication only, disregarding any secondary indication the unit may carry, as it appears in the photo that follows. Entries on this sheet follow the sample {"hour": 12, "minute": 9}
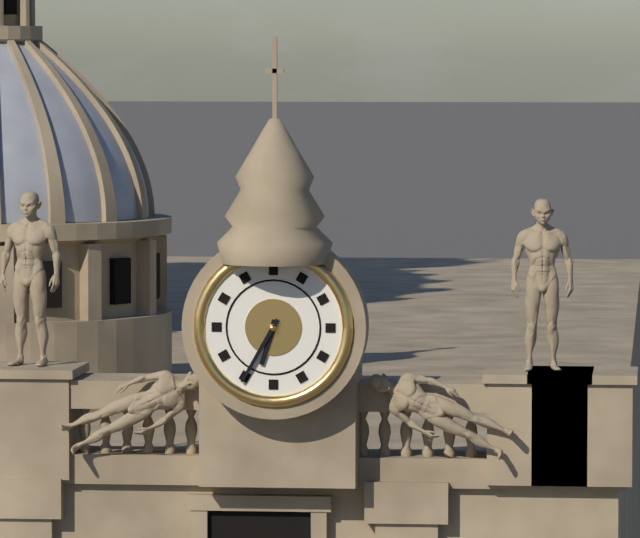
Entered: {"hour": 6, "minute": 35}
